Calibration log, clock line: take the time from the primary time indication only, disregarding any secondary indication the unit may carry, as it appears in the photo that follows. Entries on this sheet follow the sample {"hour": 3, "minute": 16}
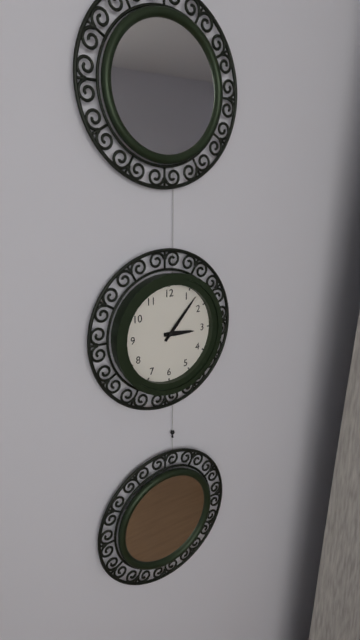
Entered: {"hour": 3, "minute": 7}
